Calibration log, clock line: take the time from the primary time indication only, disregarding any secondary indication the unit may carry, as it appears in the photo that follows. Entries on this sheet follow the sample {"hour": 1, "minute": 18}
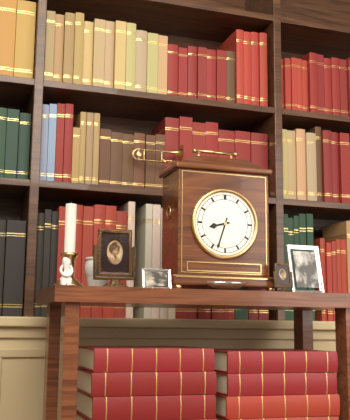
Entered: {"hour": 8, "minute": 33}
